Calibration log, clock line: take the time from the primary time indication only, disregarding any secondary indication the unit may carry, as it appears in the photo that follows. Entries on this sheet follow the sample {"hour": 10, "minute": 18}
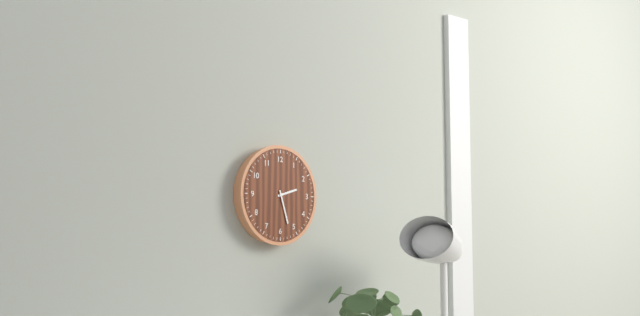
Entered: {"hour": 2, "minute": 27}
